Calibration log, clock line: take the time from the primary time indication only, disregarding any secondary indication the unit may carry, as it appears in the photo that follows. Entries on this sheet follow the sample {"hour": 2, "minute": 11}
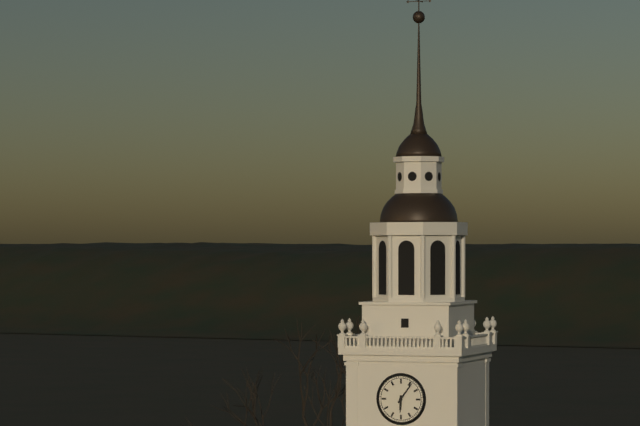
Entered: {"hour": 6, "minute": 6}
